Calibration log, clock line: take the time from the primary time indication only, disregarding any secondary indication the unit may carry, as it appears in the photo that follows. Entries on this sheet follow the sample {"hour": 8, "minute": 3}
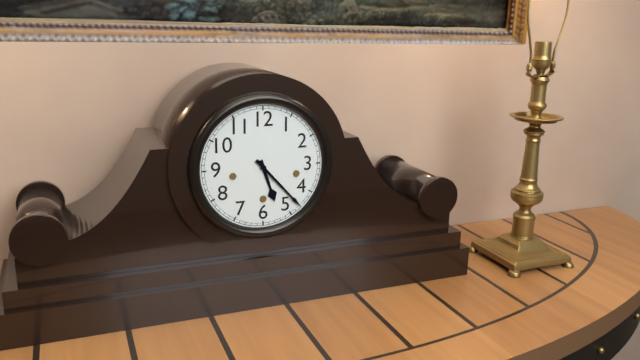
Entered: {"hour": 5, "minute": 23}
